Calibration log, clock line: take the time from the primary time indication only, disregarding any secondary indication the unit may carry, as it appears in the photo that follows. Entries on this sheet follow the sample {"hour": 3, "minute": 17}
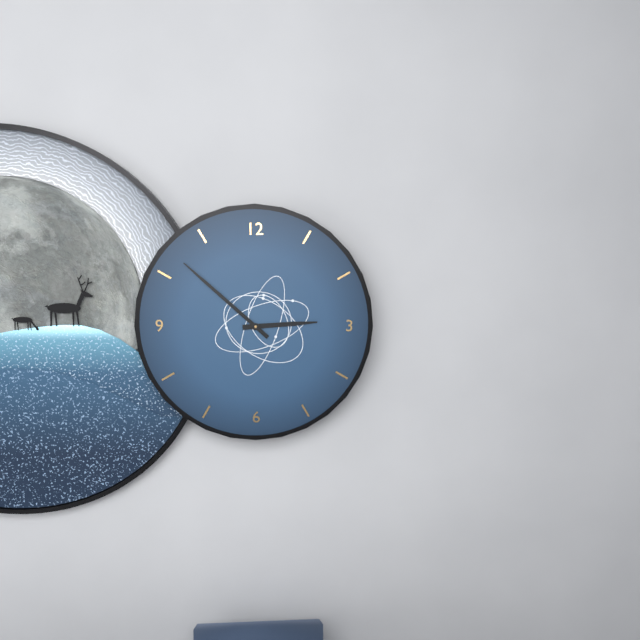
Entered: {"hour": 2, "minute": 52}
